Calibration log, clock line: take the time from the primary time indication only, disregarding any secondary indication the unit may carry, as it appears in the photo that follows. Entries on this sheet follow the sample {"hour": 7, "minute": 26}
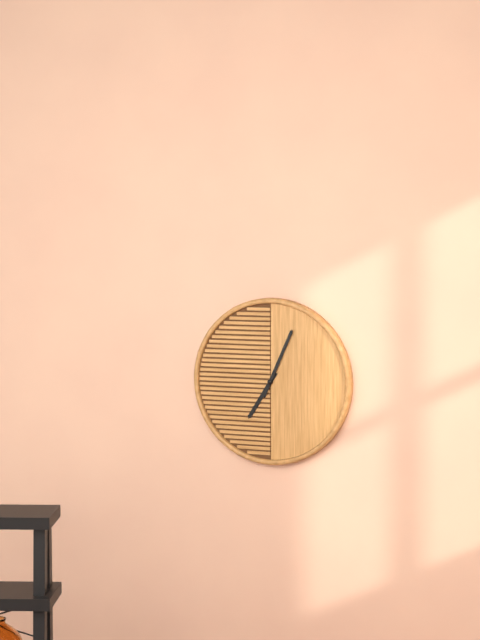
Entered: {"hour": 7, "minute": 4}
